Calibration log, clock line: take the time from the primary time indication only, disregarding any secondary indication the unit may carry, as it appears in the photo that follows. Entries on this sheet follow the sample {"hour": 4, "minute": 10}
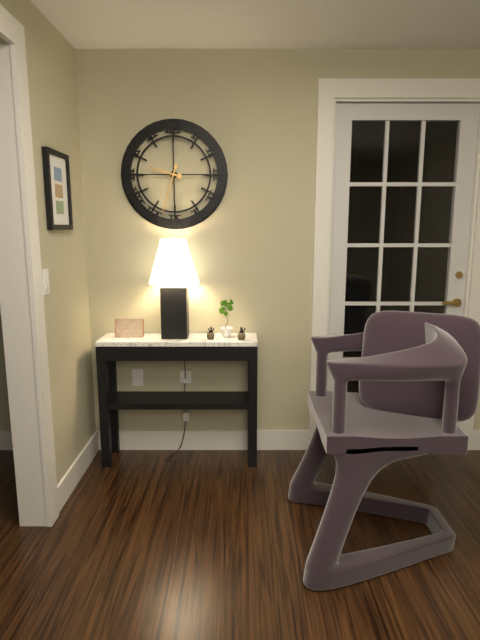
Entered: {"hour": 9, "minute": 33}
